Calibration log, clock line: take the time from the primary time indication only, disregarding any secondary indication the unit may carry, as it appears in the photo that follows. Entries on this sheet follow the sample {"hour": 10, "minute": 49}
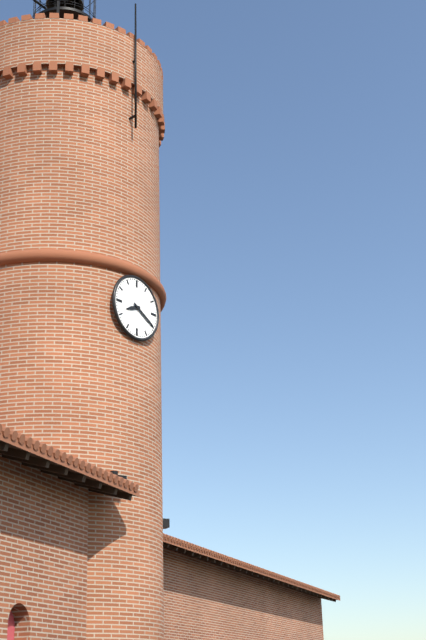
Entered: {"hour": 8, "minute": 20}
